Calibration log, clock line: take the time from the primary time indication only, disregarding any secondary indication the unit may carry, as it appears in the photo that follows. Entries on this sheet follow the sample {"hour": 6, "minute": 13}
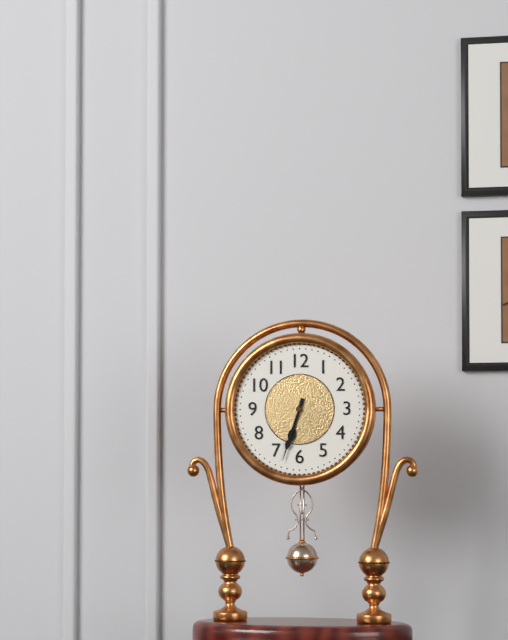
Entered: {"hour": 6, "minute": 33}
